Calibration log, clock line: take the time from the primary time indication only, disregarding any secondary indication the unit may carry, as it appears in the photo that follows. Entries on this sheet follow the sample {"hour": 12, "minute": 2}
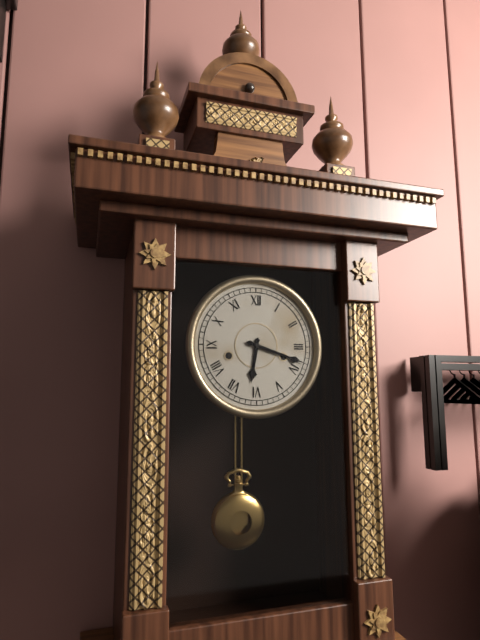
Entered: {"hour": 6, "minute": 18}
